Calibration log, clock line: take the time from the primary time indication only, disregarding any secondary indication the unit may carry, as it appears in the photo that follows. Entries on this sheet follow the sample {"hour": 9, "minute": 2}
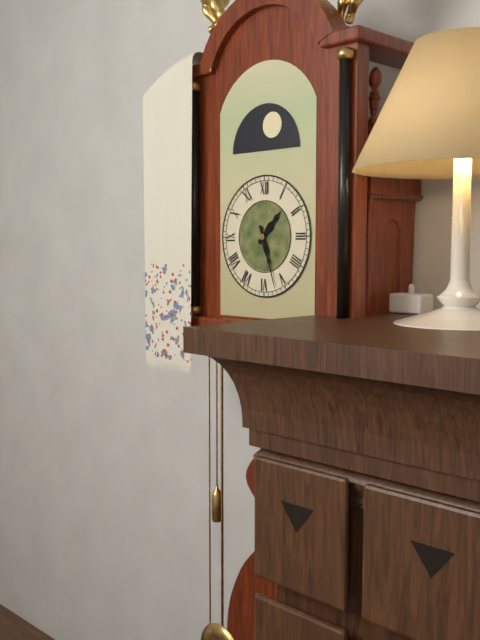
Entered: {"hour": 1, "minute": 27}
